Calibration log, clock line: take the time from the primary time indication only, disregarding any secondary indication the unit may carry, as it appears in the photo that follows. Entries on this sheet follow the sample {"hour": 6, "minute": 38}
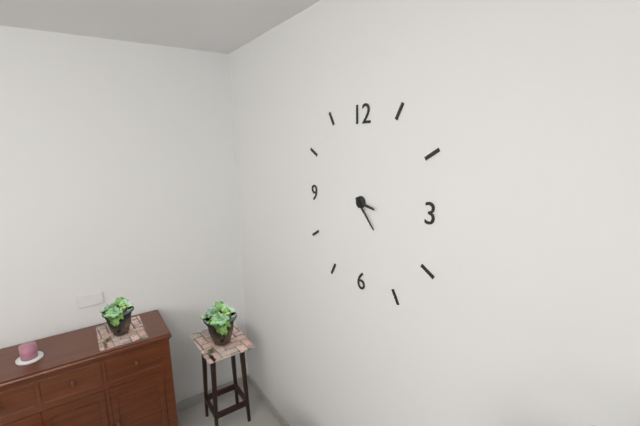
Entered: {"hour": 3, "minute": 23}
